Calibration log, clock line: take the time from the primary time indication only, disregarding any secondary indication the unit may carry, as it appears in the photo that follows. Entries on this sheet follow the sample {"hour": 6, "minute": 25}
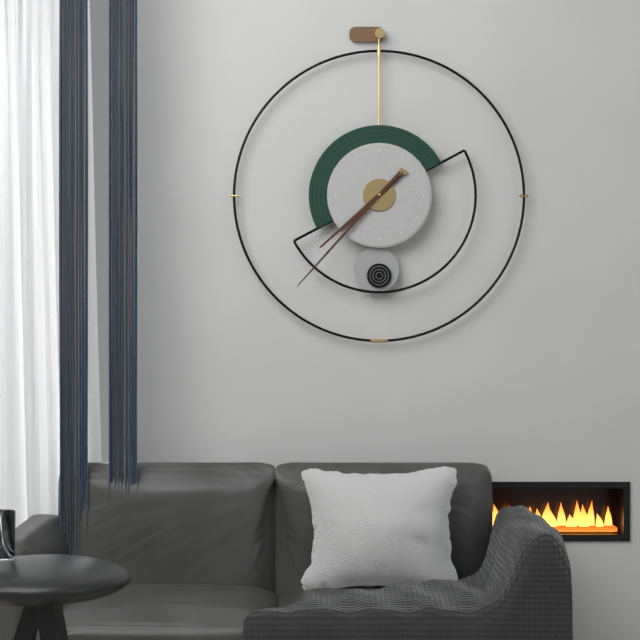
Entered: {"hour": 7, "minute": 37}
